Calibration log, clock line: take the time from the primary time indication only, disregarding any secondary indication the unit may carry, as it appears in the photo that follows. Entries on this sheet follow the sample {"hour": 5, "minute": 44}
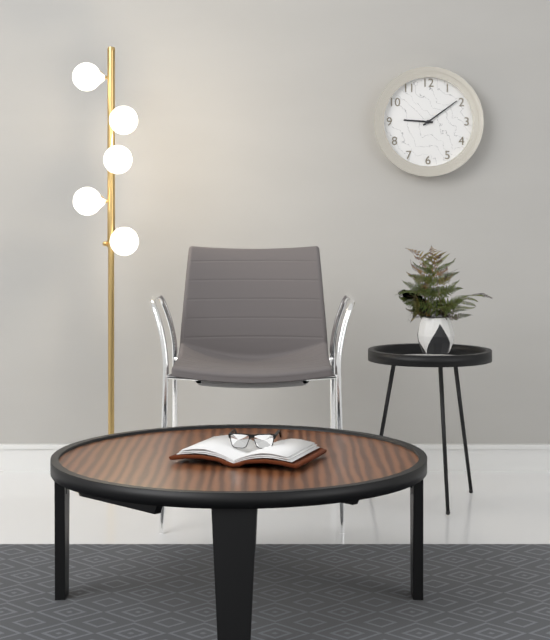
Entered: {"hour": 9, "minute": 9}
